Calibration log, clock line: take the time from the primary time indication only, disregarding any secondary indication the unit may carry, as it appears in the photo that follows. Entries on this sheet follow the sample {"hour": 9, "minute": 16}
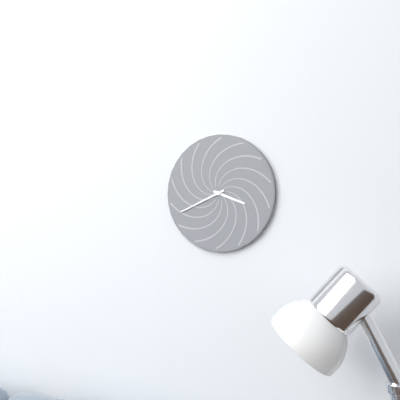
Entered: {"hour": 3, "minute": 41}
